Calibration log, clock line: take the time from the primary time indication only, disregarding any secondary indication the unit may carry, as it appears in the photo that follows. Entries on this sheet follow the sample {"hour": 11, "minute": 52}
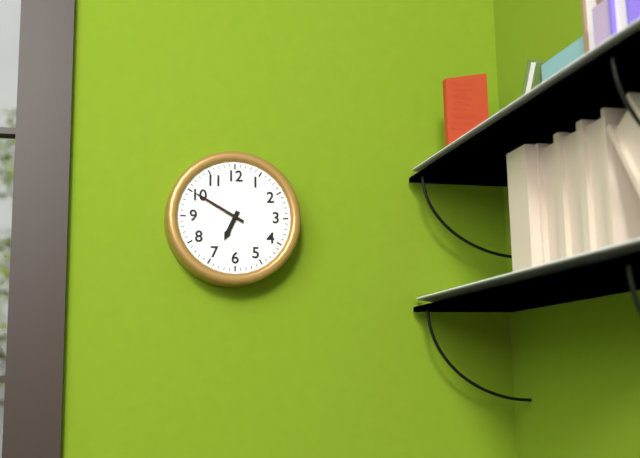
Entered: {"hour": 6, "minute": 50}
